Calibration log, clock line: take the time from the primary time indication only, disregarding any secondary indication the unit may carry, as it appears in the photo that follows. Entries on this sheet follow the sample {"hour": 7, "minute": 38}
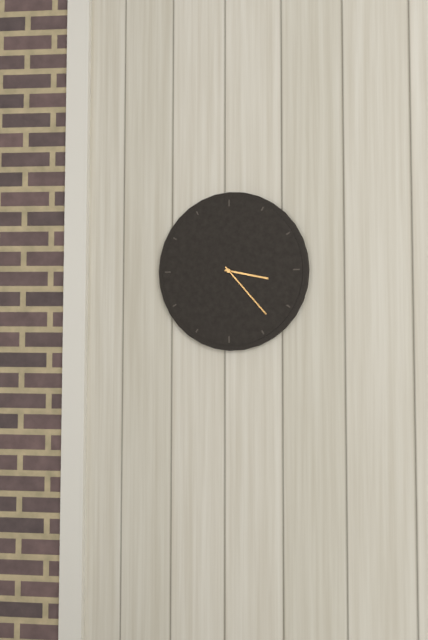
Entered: {"hour": 3, "minute": 23}
